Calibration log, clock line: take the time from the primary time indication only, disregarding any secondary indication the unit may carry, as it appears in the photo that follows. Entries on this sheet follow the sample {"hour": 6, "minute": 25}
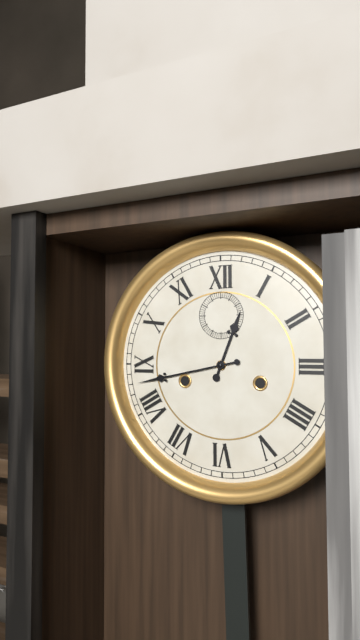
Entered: {"hour": 12, "minute": 43}
